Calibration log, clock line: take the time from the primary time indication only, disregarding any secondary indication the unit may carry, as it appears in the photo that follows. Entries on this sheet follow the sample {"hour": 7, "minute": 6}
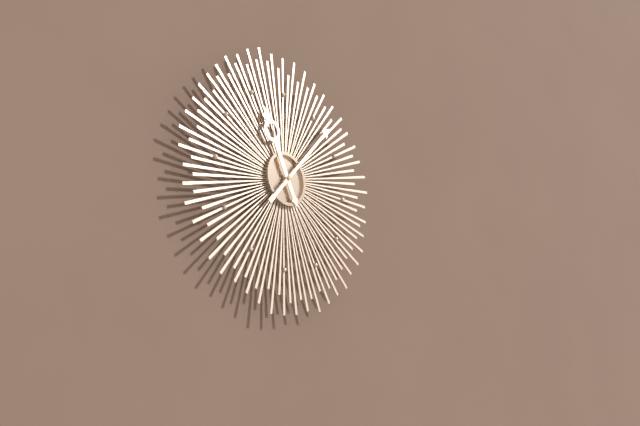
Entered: {"hour": 11, "minute": 7}
